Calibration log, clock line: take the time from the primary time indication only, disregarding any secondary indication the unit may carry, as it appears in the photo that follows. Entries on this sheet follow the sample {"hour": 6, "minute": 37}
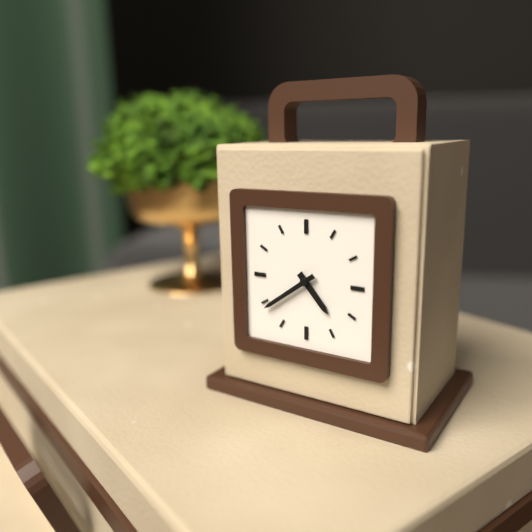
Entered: {"hour": 4, "minute": 39}
